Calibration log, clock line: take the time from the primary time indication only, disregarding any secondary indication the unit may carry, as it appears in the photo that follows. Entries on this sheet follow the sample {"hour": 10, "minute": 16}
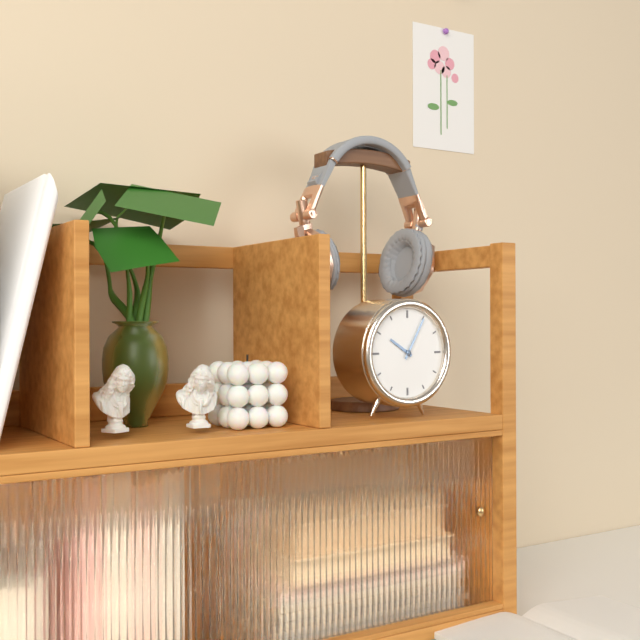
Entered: {"hour": 10, "minute": 5}
